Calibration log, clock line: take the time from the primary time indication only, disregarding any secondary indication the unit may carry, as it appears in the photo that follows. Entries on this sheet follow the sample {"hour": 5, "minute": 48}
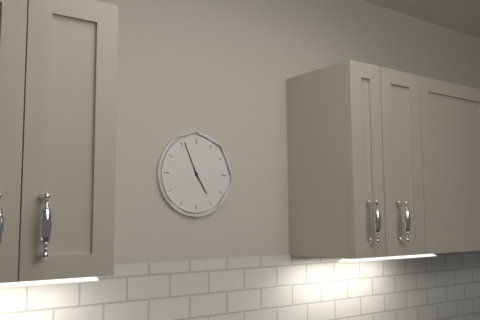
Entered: {"hour": 4, "minute": 56}
